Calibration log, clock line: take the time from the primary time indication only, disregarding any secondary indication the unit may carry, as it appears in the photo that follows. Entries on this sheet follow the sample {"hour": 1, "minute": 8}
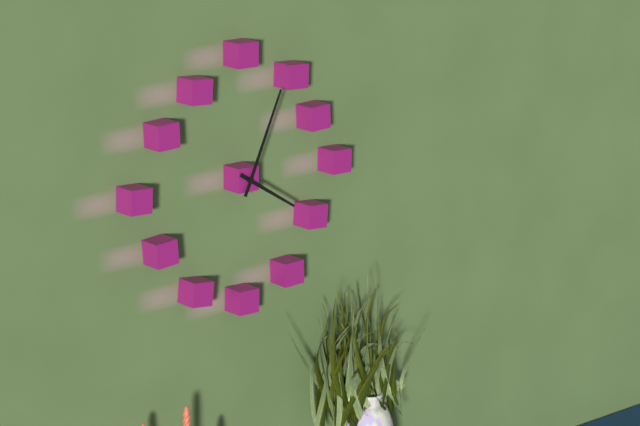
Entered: {"hour": 4, "minute": 4}
